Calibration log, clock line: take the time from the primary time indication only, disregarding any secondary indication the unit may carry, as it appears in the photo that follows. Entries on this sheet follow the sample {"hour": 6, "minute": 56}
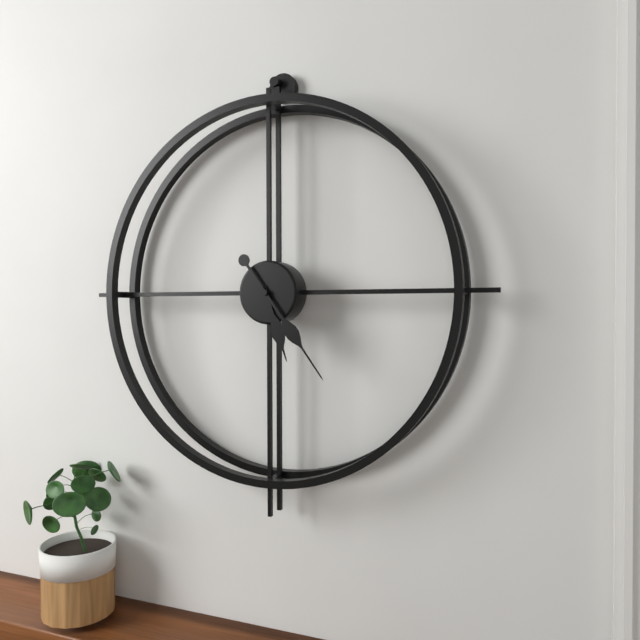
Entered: {"hour": 5, "minute": 24}
